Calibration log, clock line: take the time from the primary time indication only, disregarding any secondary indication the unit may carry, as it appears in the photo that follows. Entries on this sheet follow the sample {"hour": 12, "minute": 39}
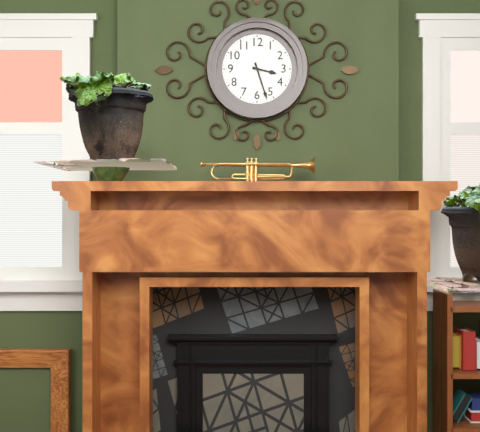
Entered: {"hour": 3, "minute": 27}
